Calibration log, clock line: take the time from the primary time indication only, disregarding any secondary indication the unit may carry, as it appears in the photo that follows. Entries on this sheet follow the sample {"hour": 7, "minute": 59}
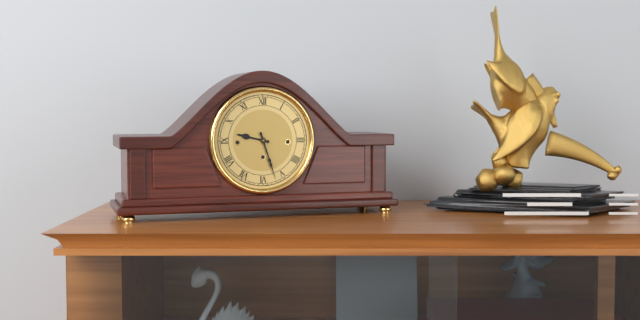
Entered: {"hour": 9, "minute": 27}
